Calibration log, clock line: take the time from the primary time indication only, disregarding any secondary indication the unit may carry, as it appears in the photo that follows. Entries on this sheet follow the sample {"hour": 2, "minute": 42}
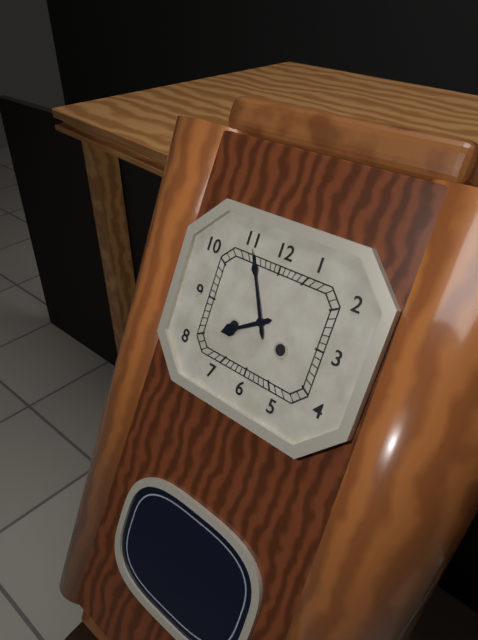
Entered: {"hour": 7, "minute": 55}
